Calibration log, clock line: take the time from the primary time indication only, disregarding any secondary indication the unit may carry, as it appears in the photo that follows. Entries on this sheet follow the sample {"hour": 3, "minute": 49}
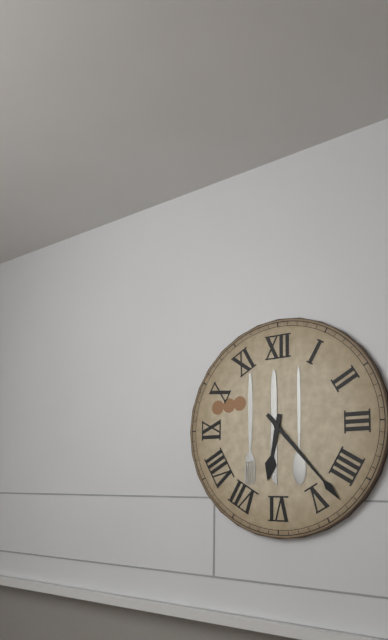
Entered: {"hour": 6, "minute": 23}
